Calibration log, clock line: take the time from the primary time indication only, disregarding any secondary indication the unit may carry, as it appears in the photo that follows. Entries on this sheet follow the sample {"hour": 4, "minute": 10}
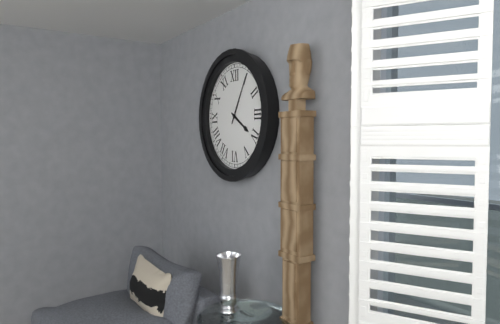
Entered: {"hour": 4, "minute": 5}
